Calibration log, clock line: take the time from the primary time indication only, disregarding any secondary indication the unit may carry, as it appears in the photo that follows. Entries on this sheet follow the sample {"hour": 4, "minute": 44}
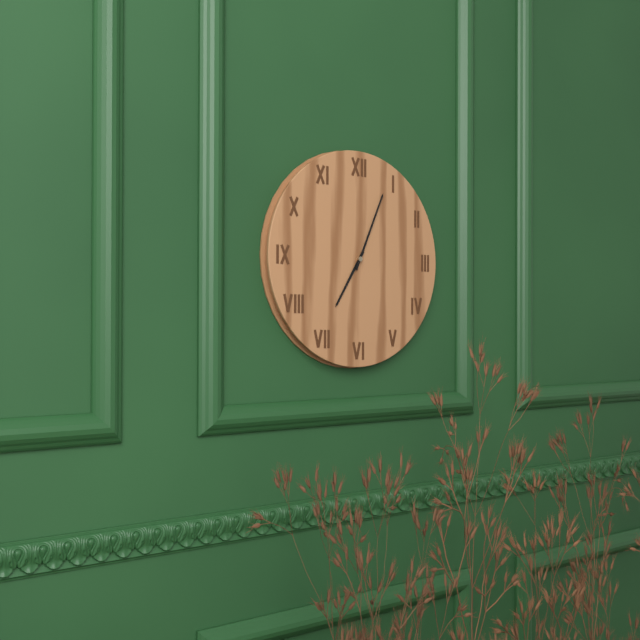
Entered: {"hour": 7, "minute": 4}
